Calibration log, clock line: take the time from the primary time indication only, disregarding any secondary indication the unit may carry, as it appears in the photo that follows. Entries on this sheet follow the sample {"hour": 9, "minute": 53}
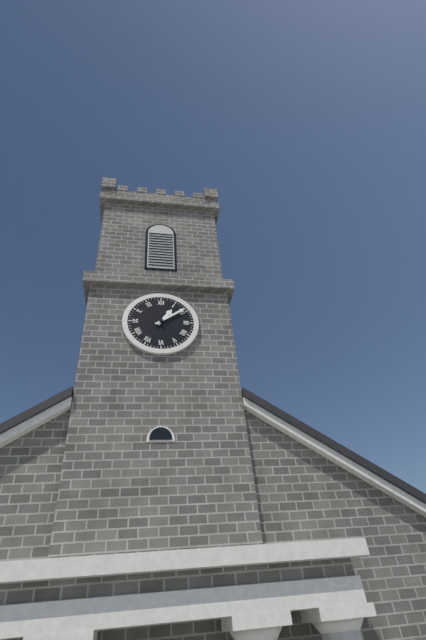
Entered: {"hour": 1, "minute": 9}
